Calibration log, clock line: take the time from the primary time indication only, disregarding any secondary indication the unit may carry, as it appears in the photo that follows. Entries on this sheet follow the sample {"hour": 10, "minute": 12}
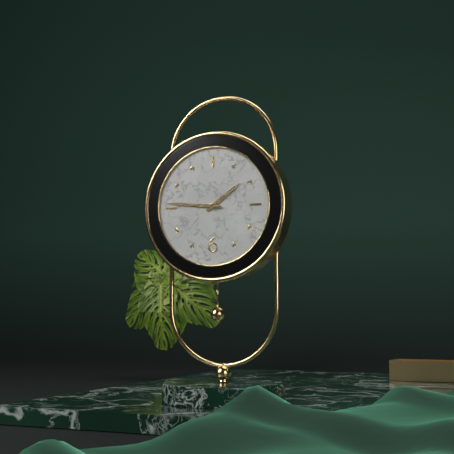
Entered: {"hour": 1, "minute": 46}
